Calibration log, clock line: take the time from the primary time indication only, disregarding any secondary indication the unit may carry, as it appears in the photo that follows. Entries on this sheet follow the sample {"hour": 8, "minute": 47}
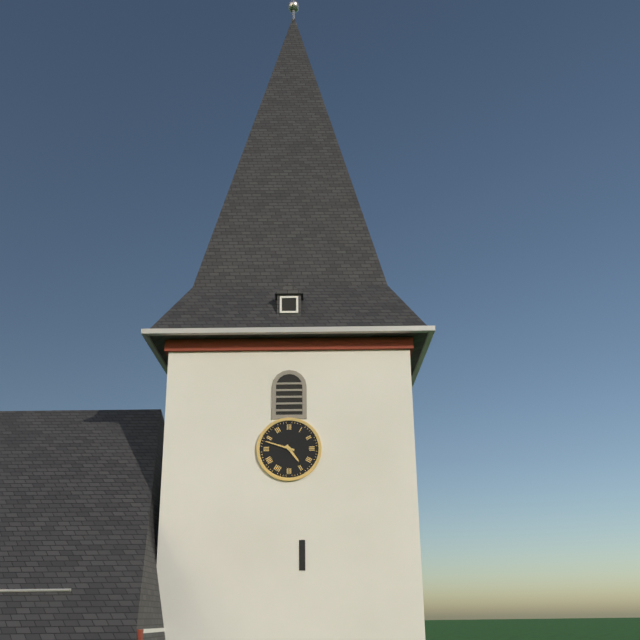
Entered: {"hour": 4, "minute": 48}
